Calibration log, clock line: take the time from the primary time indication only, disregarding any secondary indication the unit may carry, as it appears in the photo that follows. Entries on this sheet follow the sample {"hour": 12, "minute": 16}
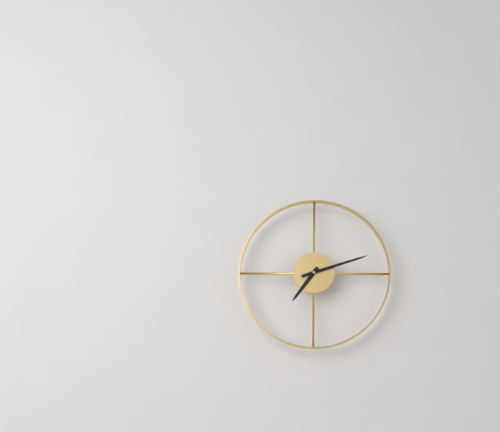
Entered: {"hour": 7, "minute": 12}
